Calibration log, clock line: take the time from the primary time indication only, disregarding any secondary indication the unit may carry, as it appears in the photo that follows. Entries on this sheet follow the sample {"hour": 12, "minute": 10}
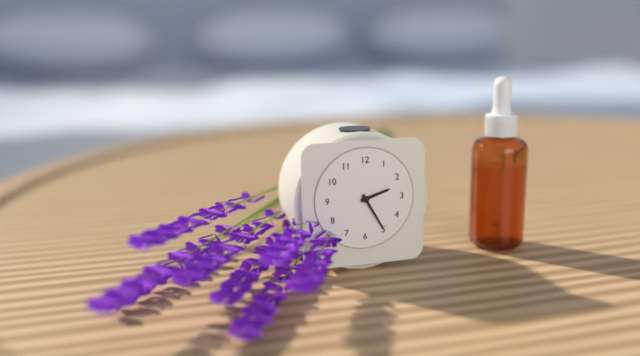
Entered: {"hour": 2, "minute": 25}
